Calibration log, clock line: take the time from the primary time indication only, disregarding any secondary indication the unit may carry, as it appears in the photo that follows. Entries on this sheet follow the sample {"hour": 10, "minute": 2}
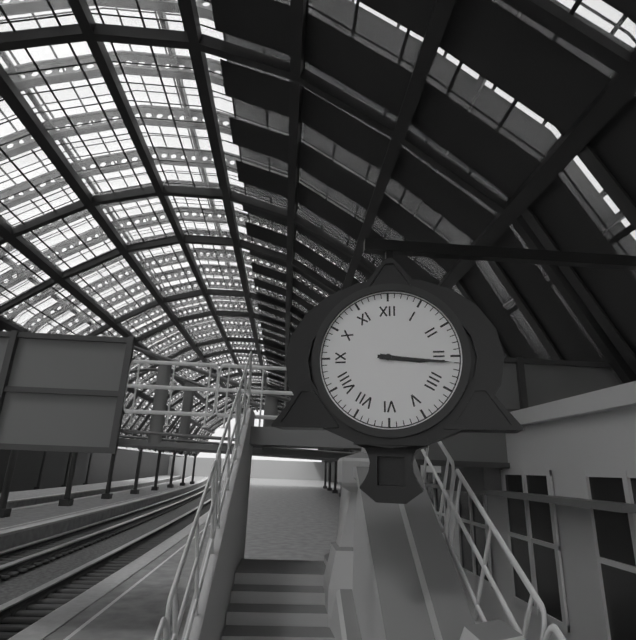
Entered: {"hour": 3, "minute": 16}
